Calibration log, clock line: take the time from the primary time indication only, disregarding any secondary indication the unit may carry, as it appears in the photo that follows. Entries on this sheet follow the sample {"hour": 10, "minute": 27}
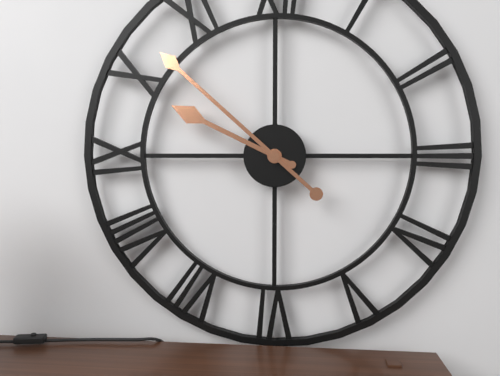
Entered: {"hour": 9, "minute": 52}
